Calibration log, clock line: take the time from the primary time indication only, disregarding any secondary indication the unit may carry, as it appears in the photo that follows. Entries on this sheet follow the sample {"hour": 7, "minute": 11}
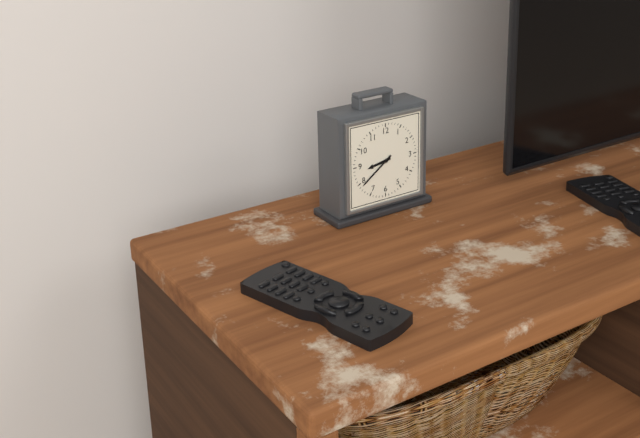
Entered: {"hour": 8, "minute": 39}
